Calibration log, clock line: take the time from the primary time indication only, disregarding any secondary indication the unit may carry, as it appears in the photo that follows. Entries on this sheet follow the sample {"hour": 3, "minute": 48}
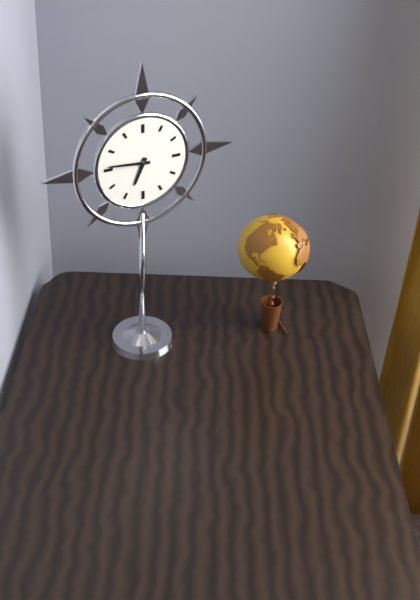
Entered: {"hour": 6, "minute": 46}
